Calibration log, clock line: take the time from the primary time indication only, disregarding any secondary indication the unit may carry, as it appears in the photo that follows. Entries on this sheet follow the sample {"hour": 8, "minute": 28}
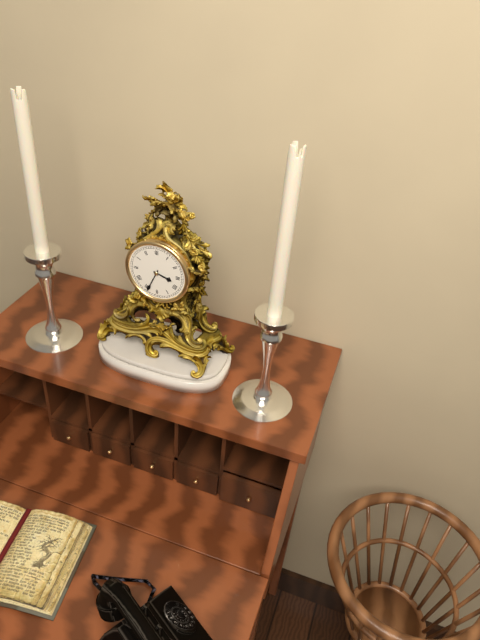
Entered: {"hour": 3, "minute": 34}
